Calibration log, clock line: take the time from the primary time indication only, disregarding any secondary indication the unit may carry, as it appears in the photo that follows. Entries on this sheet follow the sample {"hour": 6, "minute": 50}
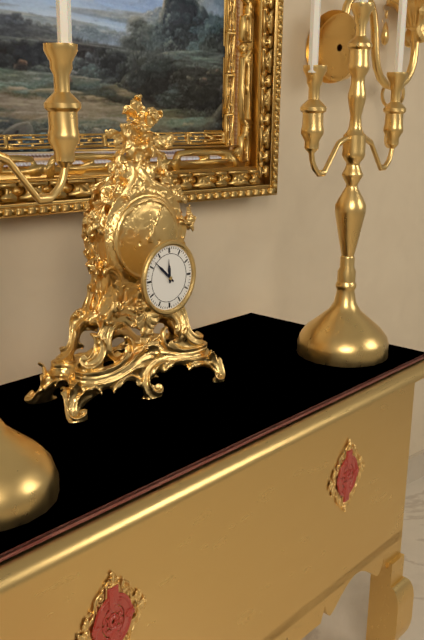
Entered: {"hour": 11, "minute": 52}
